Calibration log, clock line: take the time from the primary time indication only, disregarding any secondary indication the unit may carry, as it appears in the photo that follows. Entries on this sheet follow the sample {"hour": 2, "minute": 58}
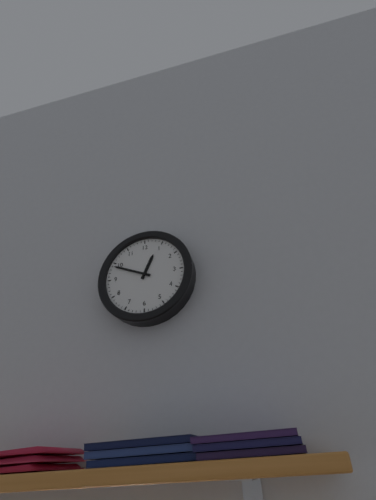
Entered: {"hour": 12, "minute": 49}
